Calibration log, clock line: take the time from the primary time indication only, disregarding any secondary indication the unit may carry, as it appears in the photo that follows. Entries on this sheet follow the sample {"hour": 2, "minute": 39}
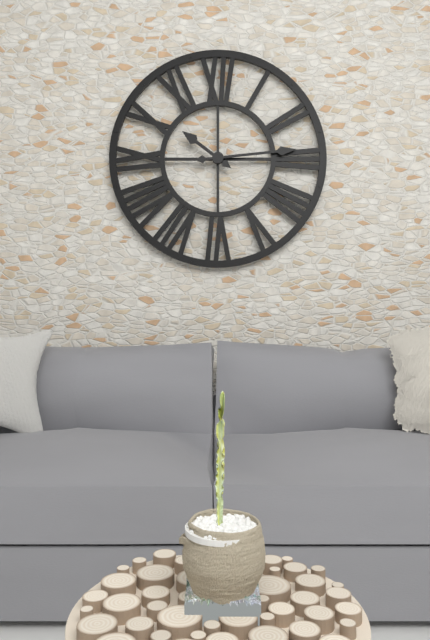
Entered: {"hour": 10, "minute": 14}
